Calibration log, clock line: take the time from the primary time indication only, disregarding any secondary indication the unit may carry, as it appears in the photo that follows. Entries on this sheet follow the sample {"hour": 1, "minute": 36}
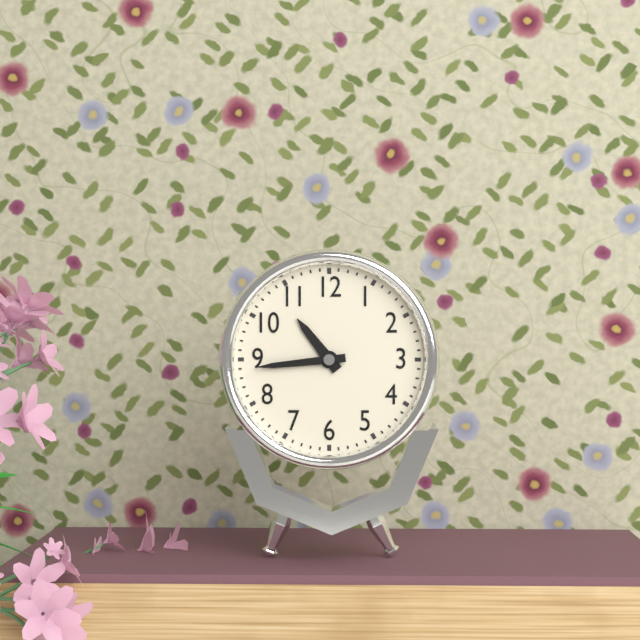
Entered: {"hour": 10, "minute": 44}
